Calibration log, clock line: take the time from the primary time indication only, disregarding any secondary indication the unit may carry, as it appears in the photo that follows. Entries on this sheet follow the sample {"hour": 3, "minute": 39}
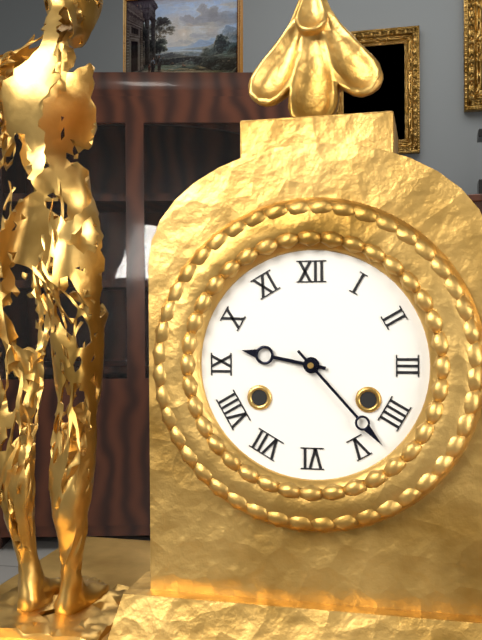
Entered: {"hour": 9, "minute": 23}
